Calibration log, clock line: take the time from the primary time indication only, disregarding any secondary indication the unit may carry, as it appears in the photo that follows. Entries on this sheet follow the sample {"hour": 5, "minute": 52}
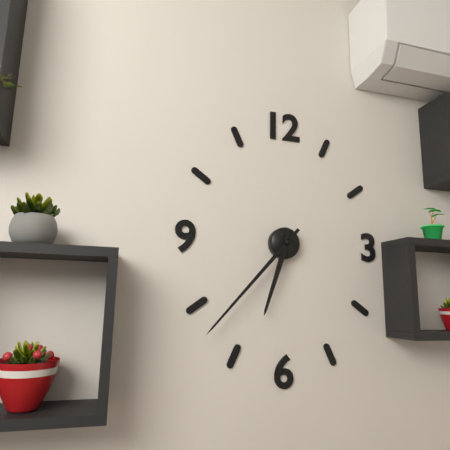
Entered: {"hour": 6, "minute": 37}
